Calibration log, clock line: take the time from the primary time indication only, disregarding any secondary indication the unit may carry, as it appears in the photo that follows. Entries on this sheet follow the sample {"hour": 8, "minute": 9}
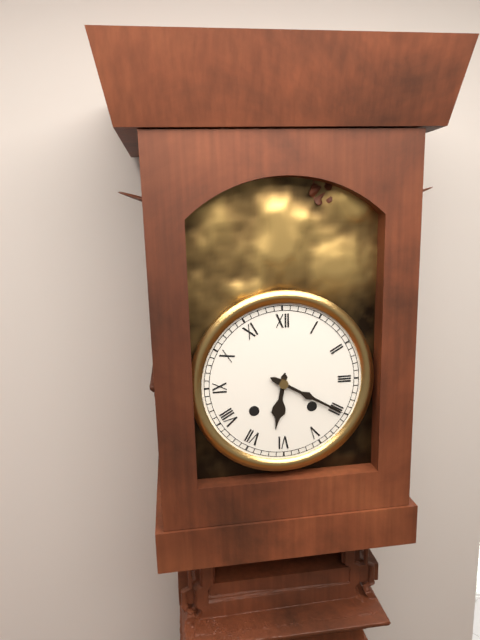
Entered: {"hour": 6, "minute": 20}
